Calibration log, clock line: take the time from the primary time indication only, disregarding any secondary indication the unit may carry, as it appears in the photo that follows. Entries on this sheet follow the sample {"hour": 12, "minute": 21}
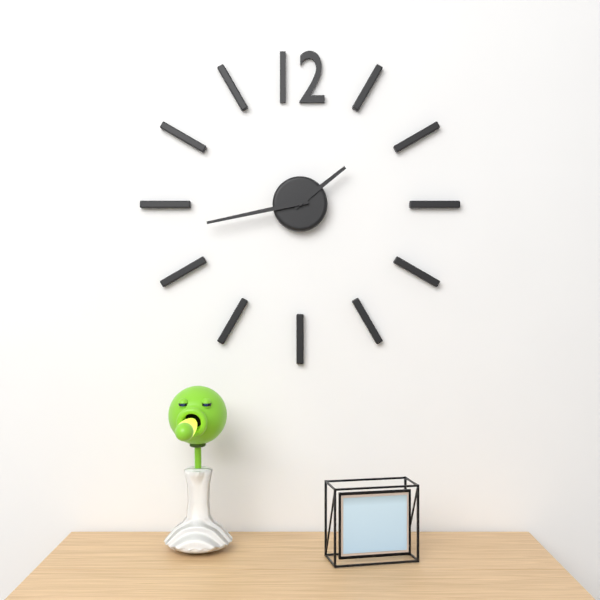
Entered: {"hour": 1, "minute": 43}
